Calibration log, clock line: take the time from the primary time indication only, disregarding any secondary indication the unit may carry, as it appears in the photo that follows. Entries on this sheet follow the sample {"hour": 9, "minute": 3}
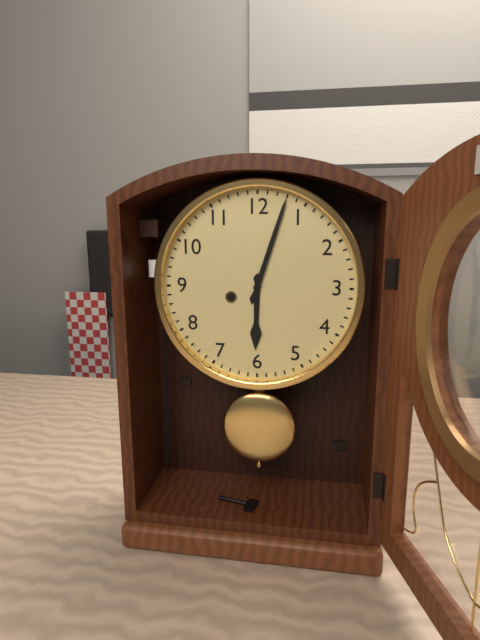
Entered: {"hour": 6, "minute": 3}
